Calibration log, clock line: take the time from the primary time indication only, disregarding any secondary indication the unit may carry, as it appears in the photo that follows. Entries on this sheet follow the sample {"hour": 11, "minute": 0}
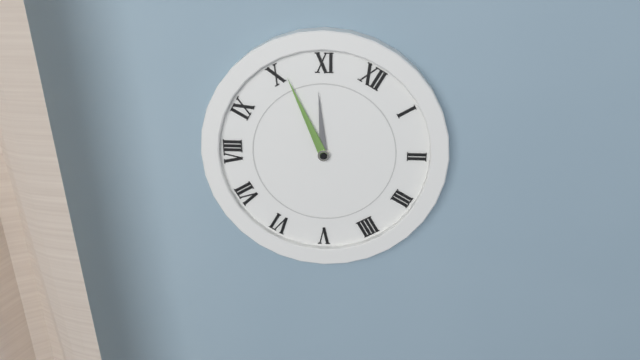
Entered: {"hour": 10, "minute": 51}
